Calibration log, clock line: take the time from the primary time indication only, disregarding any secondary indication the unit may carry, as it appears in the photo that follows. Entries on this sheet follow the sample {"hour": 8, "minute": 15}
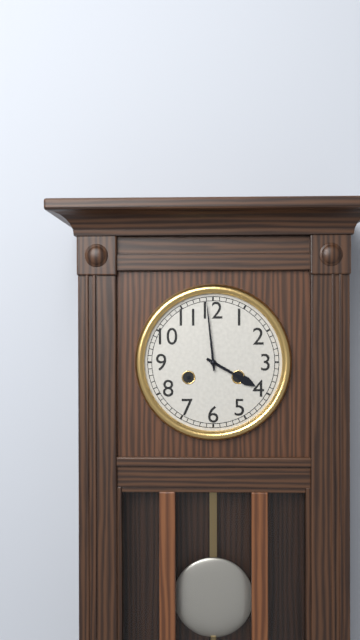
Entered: {"hour": 3, "minute": 59}
